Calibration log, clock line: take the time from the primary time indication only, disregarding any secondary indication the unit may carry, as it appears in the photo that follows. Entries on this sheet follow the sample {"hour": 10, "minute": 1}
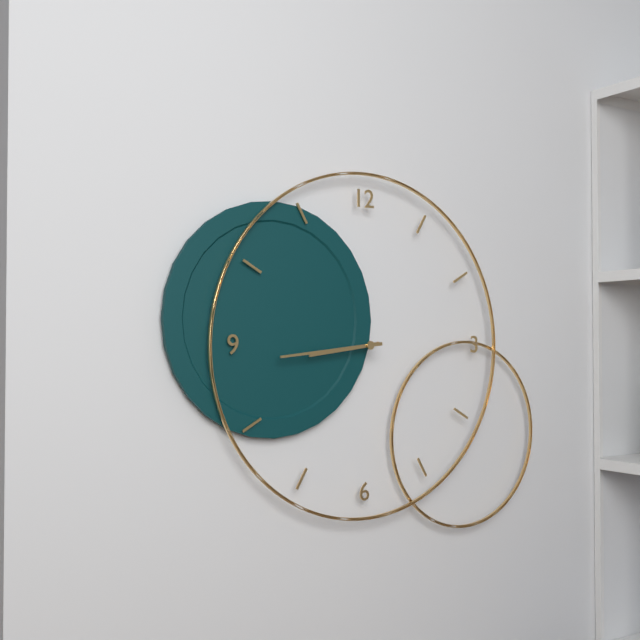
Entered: {"hour": 8, "minute": 44}
